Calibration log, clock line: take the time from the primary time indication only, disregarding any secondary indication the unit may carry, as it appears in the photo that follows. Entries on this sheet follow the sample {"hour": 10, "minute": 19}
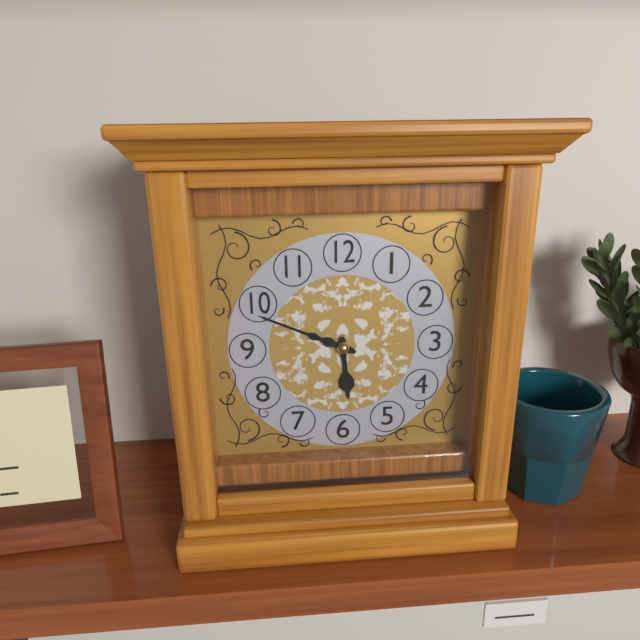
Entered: {"hour": 5, "minute": 49}
